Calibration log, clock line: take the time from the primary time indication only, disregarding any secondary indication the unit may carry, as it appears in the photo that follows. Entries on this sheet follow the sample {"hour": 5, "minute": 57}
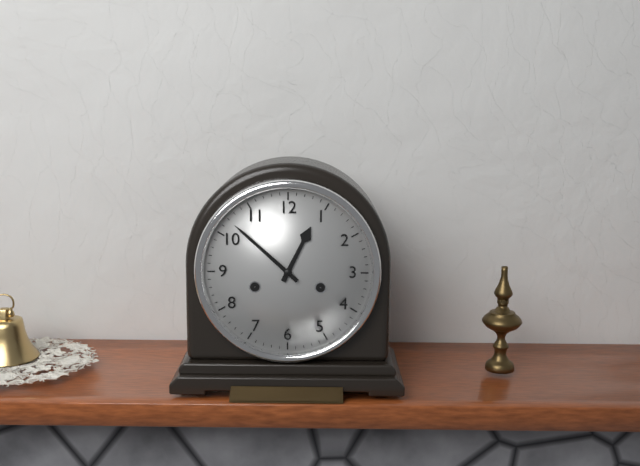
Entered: {"hour": 12, "minute": 52}
